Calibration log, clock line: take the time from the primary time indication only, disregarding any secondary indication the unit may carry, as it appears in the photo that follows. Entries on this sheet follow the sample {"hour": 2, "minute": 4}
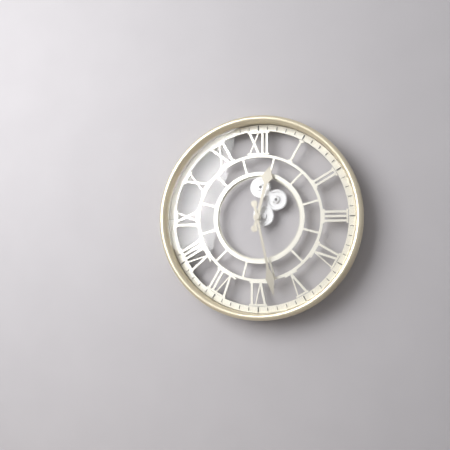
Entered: {"hour": 12, "minute": 28}
